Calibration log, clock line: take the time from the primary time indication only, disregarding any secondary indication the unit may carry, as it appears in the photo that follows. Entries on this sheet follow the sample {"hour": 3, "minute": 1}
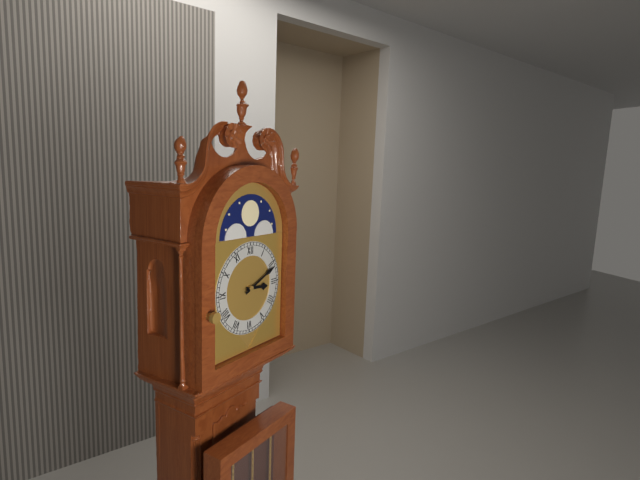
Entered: {"hour": 3, "minute": 11}
